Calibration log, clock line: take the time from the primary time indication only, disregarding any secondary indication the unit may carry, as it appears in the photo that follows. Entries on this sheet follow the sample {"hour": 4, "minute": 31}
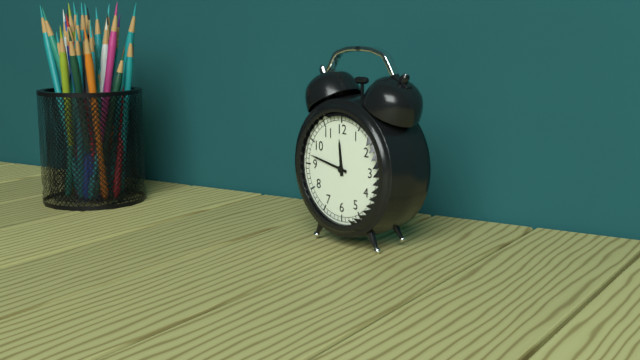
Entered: {"hour": 11, "minute": 47}
